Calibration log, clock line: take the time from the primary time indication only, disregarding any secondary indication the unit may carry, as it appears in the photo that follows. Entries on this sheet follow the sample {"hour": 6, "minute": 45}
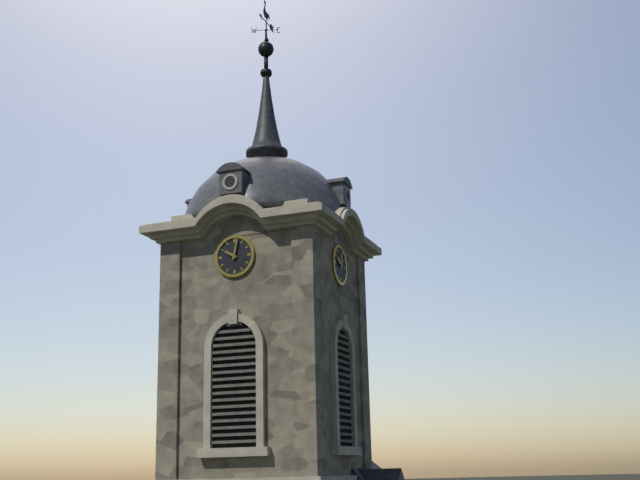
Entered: {"hour": 10, "minute": 2}
